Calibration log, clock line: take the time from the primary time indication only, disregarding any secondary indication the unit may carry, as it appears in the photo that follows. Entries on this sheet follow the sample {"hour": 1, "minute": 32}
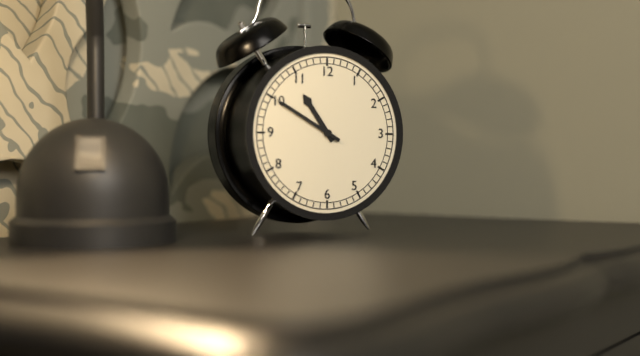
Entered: {"hour": 10, "minute": 50}
